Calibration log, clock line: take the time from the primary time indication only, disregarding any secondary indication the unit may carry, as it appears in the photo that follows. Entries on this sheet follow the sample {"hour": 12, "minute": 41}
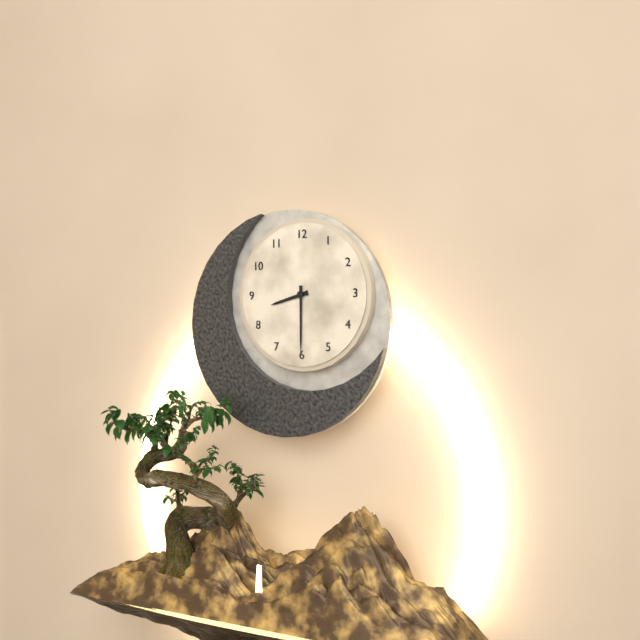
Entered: {"hour": 8, "minute": 30}
